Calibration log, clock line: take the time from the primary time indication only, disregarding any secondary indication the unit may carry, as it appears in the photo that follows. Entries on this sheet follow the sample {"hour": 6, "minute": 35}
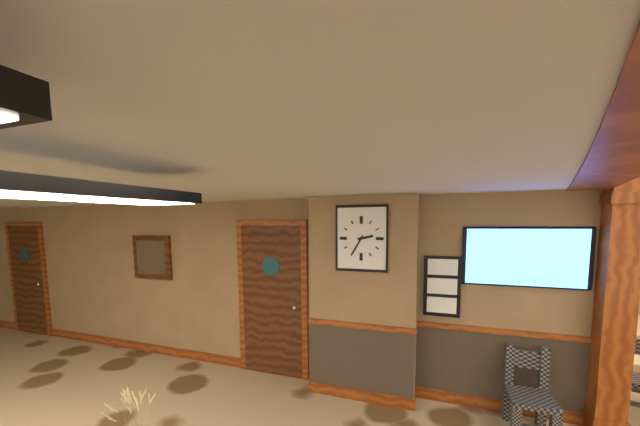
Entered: {"hour": 2, "minute": 35}
